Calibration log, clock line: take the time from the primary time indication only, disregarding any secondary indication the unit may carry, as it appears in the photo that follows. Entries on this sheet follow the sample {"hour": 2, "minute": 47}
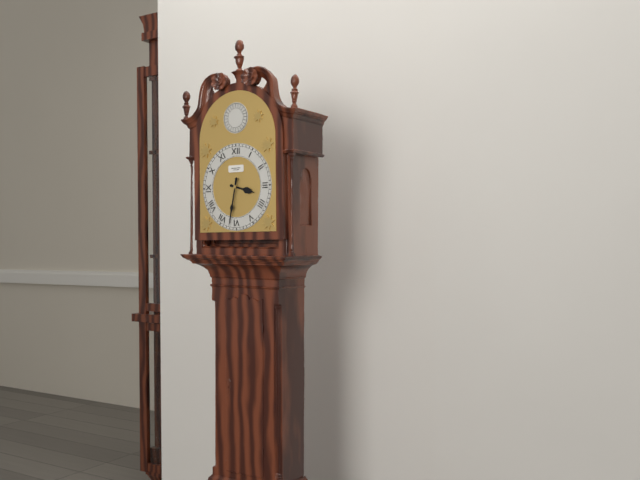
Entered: {"hour": 3, "minute": 32}
